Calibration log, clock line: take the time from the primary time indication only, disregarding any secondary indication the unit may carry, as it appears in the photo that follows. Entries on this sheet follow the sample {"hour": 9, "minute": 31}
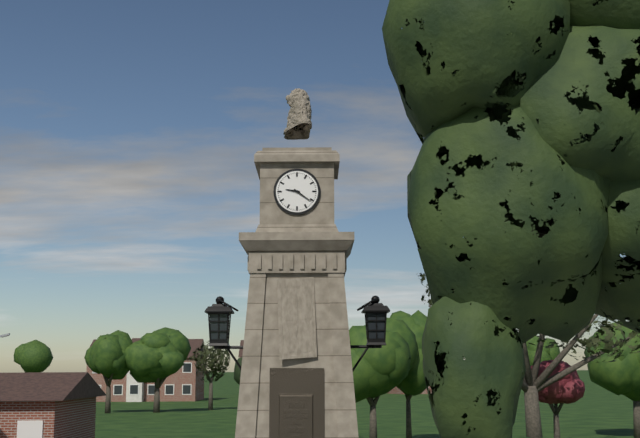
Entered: {"hour": 9, "minute": 21}
